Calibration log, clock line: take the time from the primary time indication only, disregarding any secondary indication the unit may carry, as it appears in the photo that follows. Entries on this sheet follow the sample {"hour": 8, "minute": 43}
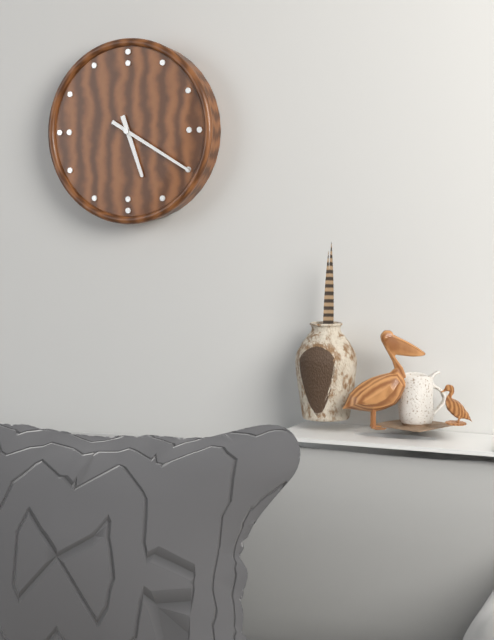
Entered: {"hour": 5, "minute": 20}
